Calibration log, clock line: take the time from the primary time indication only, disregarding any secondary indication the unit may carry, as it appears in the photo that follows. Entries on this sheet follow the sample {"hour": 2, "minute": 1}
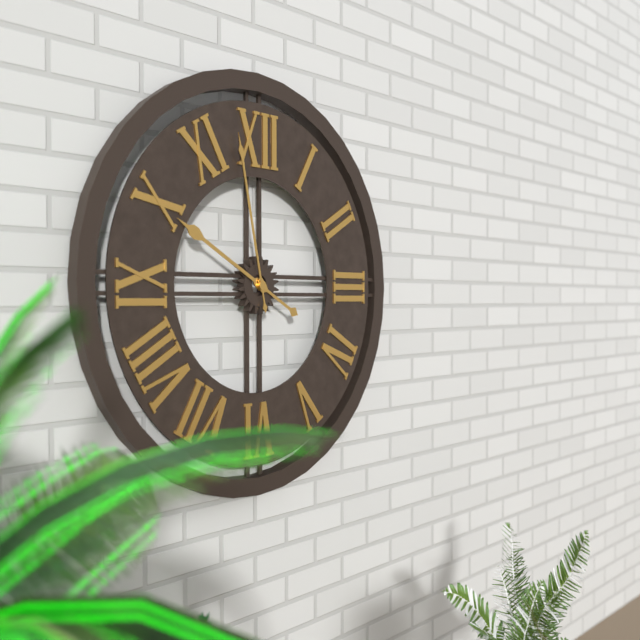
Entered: {"hour": 9, "minute": 58}
